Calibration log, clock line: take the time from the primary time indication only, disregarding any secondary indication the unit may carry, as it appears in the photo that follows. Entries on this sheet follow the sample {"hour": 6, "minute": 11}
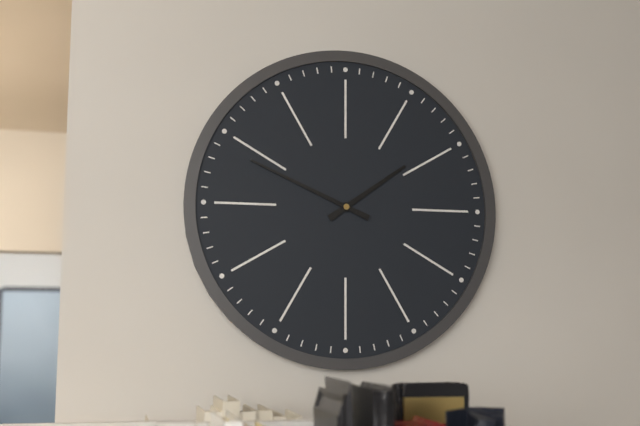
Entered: {"hour": 1, "minute": 49}
